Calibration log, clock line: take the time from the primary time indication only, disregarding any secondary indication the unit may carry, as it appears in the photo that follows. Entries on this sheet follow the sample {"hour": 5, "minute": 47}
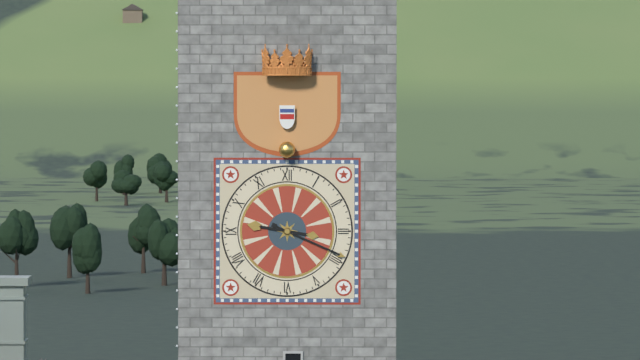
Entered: {"hour": 9, "minute": 19}
